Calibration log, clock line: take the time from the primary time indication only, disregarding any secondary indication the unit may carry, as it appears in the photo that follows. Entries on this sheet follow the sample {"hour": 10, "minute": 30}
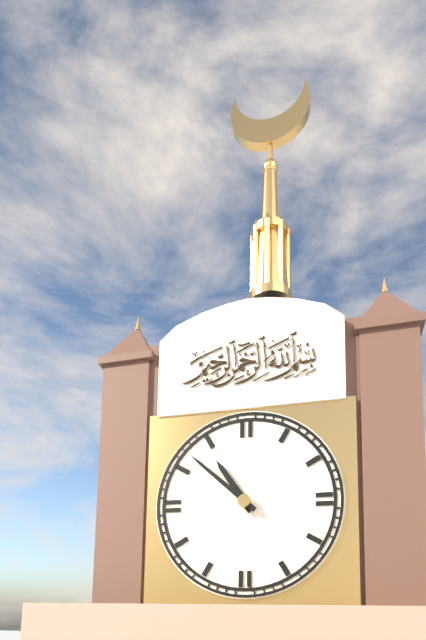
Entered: {"hour": 10, "minute": 52}
